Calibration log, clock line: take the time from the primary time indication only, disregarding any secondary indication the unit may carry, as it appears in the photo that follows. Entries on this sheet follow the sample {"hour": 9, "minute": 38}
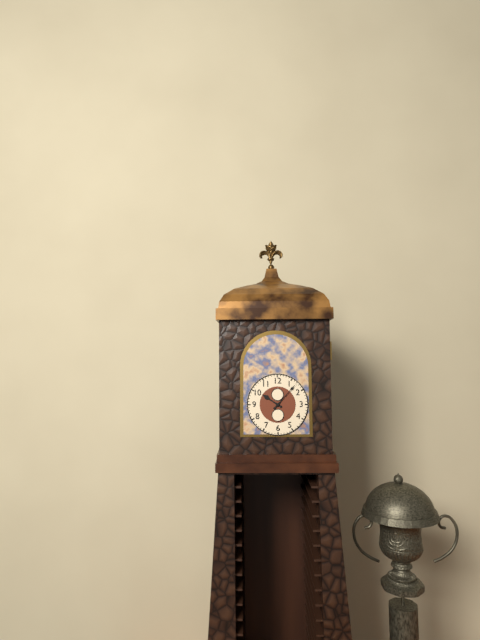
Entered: {"hour": 10, "minute": 7}
